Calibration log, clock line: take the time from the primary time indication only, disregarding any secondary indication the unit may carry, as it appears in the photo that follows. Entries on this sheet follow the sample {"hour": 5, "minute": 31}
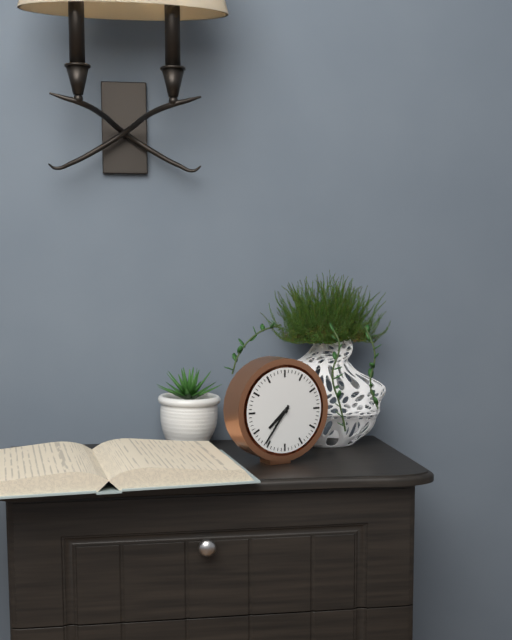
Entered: {"hour": 7, "minute": 36}
